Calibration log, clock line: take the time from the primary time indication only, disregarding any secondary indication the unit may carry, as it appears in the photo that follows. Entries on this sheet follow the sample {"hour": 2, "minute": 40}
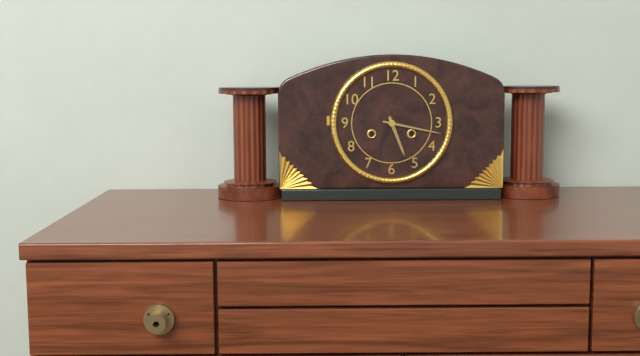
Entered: {"hour": 5, "minute": 17}
